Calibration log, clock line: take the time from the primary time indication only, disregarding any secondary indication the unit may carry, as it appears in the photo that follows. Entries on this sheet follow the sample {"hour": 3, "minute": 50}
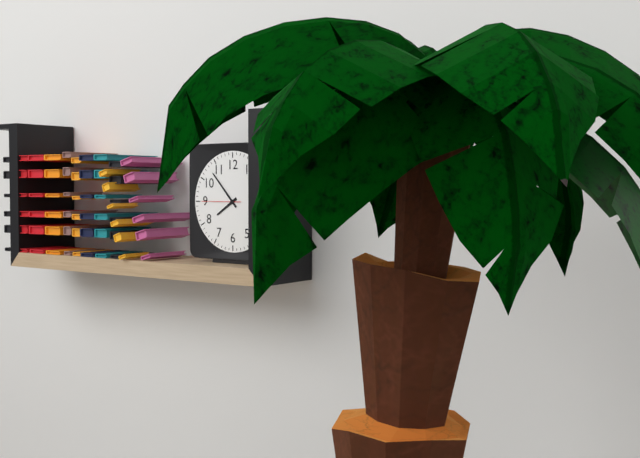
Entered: {"hour": 7, "minute": 53}
